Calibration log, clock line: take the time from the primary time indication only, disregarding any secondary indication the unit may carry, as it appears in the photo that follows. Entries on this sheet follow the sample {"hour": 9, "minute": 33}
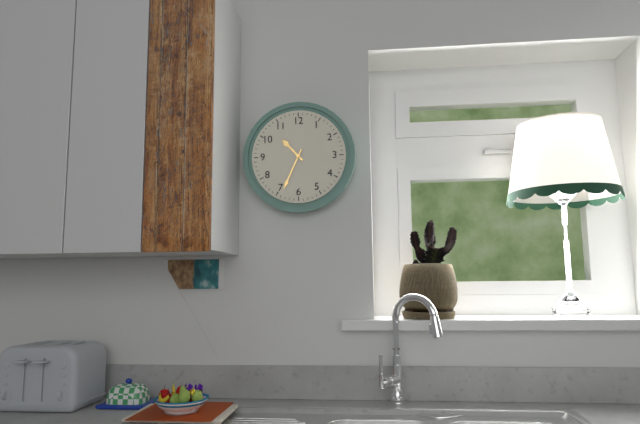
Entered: {"hour": 10, "minute": 34}
